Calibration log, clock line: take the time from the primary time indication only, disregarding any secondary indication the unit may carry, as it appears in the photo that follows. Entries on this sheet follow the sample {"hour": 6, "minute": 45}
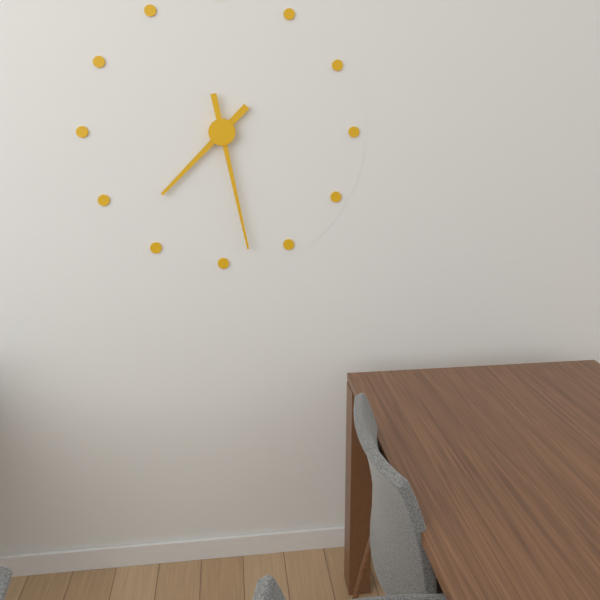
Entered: {"hour": 7, "minute": 28}
